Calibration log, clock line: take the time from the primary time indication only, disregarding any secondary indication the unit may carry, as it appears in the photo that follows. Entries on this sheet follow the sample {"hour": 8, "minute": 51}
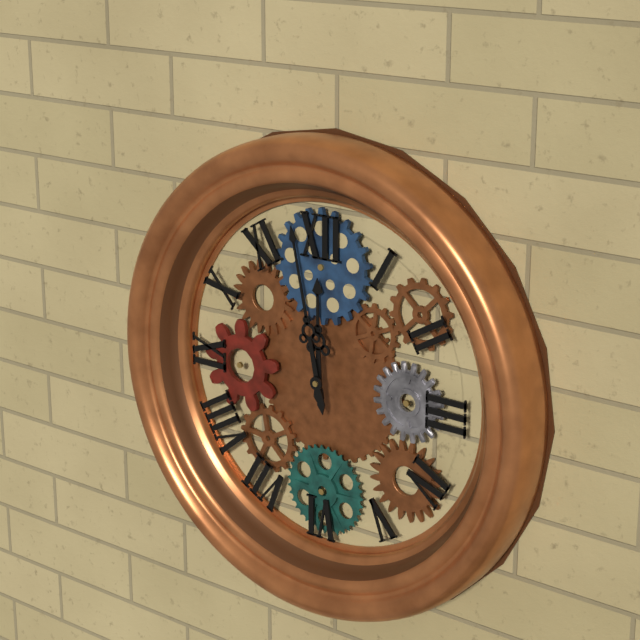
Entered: {"hour": 11, "minute": 58}
